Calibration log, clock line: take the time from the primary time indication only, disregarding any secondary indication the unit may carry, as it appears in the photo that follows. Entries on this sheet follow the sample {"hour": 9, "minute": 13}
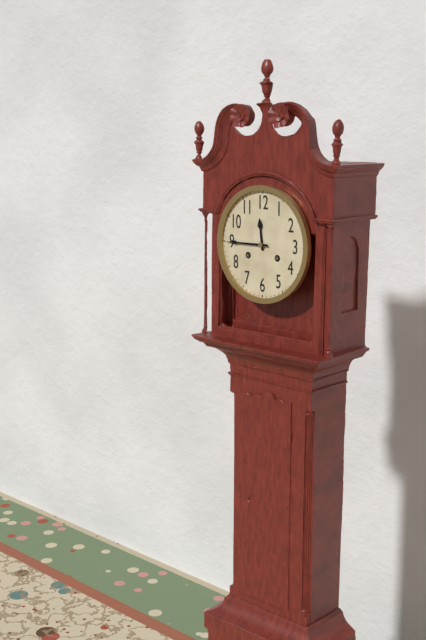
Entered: {"hour": 11, "minute": 45}
